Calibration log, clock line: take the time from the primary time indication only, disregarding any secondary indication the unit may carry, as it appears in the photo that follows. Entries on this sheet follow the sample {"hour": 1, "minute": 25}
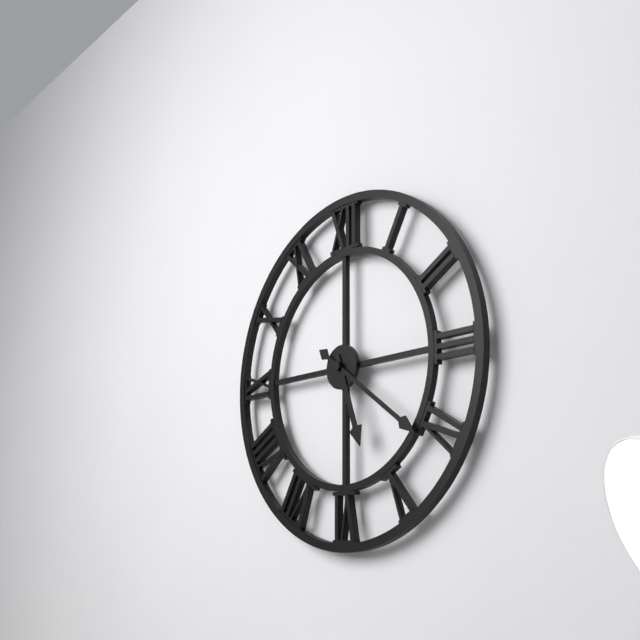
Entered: {"hour": 5, "minute": 21}
